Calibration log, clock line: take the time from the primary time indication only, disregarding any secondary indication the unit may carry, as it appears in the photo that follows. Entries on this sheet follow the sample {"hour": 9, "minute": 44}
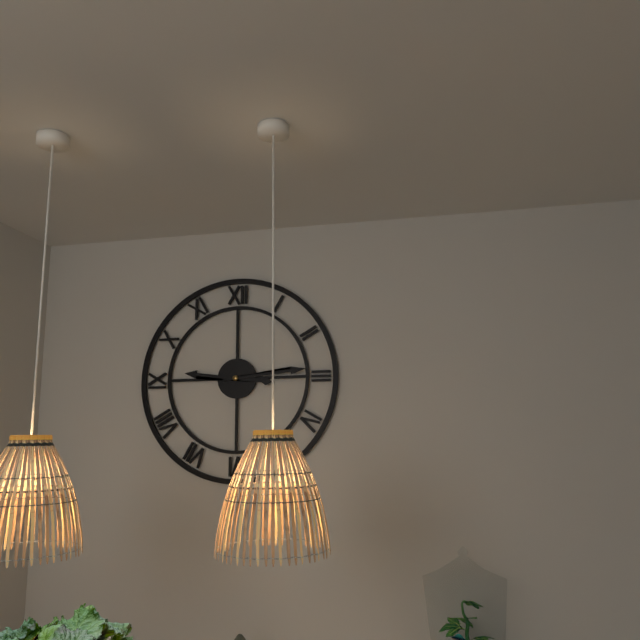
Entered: {"hour": 9, "minute": 14}
